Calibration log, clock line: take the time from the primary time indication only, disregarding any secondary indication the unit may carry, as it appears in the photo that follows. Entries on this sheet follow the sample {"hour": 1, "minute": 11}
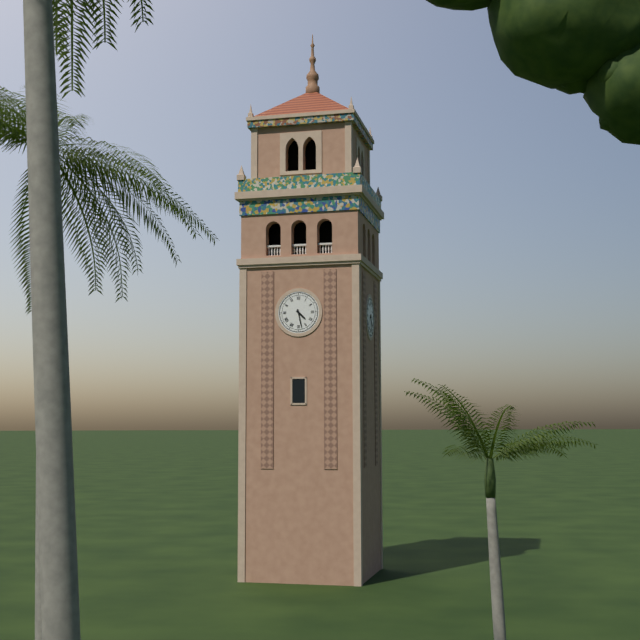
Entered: {"hour": 4, "minute": 28}
